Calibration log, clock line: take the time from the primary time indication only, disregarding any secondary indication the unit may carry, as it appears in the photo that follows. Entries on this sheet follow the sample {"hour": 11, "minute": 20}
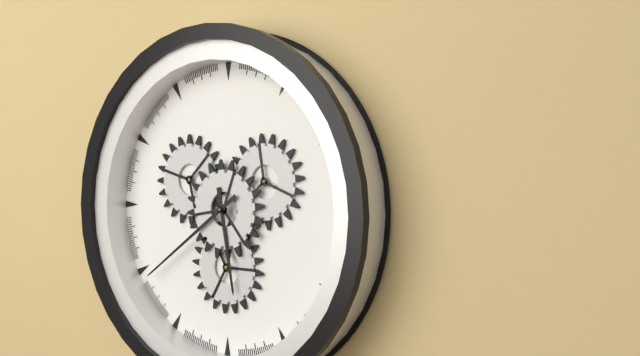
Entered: {"hour": 5, "minute": 39}
